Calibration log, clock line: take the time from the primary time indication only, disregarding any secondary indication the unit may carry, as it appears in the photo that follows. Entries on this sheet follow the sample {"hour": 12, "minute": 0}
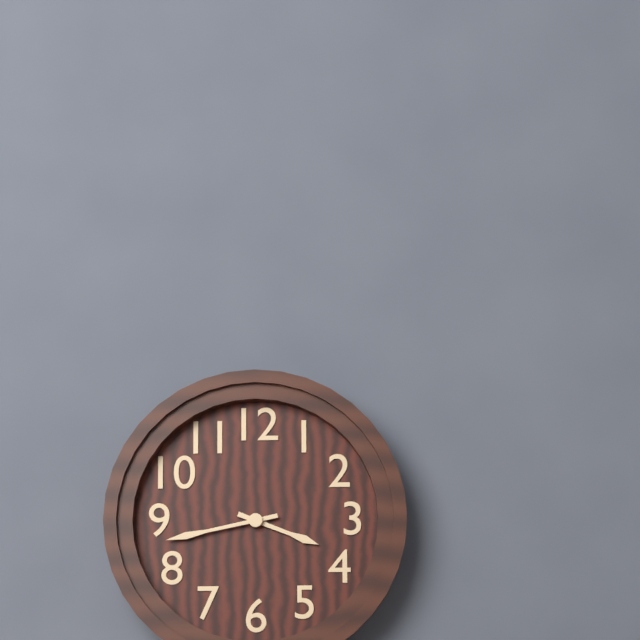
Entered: {"hour": 3, "minute": 43}
